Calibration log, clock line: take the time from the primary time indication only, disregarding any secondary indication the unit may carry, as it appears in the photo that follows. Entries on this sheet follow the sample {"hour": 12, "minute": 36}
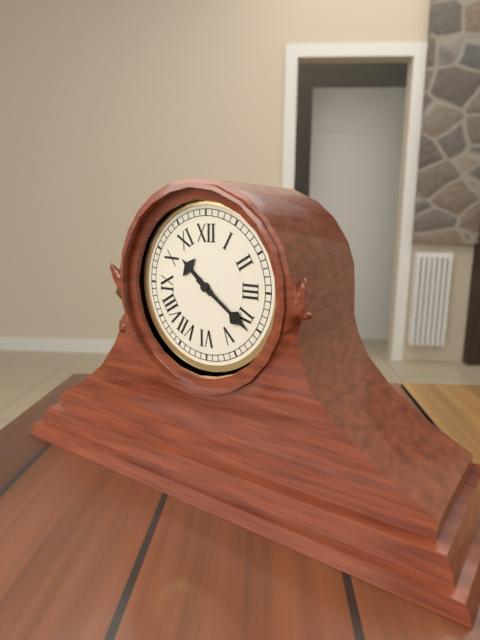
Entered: {"hour": 10, "minute": 21}
